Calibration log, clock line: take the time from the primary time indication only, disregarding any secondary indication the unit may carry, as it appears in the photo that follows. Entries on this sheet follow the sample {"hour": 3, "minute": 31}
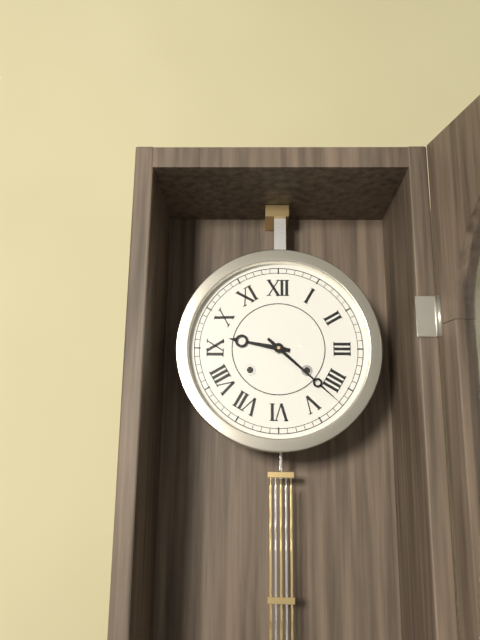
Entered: {"hour": 9, "minute": 22}
